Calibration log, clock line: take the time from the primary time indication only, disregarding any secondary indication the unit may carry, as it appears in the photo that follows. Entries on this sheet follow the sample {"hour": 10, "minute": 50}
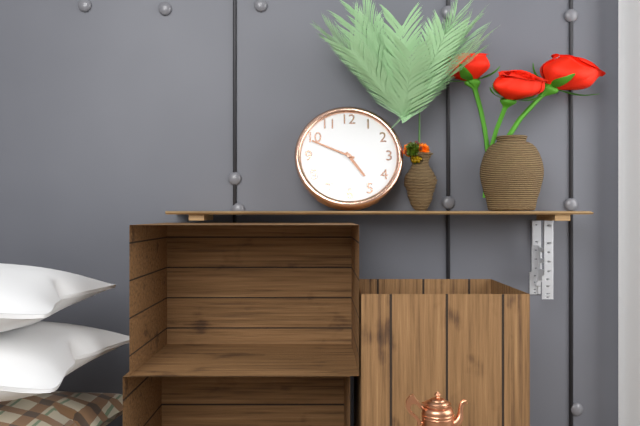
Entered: {"hour": 4, "minute": 49}
